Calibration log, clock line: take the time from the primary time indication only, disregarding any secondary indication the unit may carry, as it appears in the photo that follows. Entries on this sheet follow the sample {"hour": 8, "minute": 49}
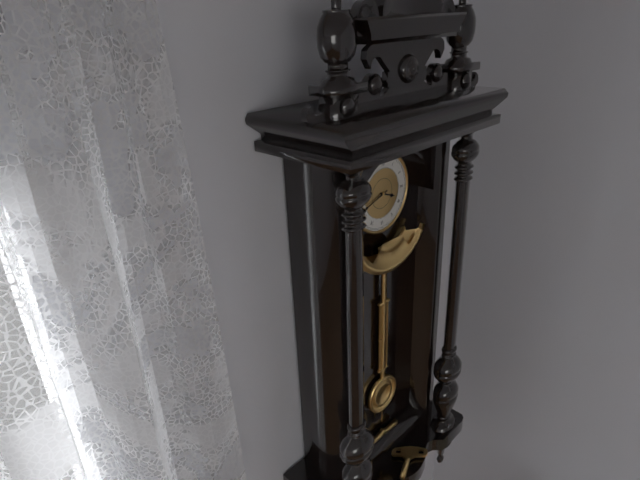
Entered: {"hour": 3, "minute": 42}
